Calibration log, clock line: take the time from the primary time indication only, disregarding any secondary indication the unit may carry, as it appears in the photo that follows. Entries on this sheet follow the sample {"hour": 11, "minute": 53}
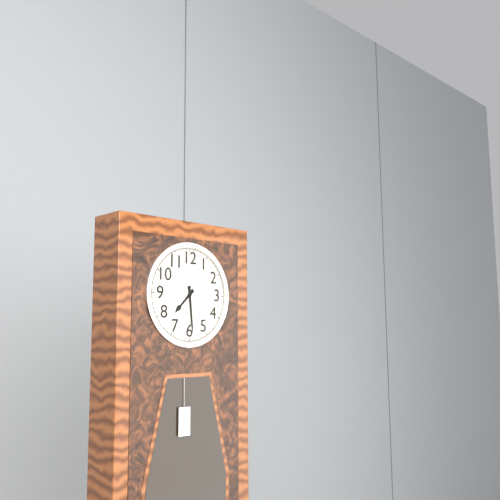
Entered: {"hour": 7, "minute": 29}
